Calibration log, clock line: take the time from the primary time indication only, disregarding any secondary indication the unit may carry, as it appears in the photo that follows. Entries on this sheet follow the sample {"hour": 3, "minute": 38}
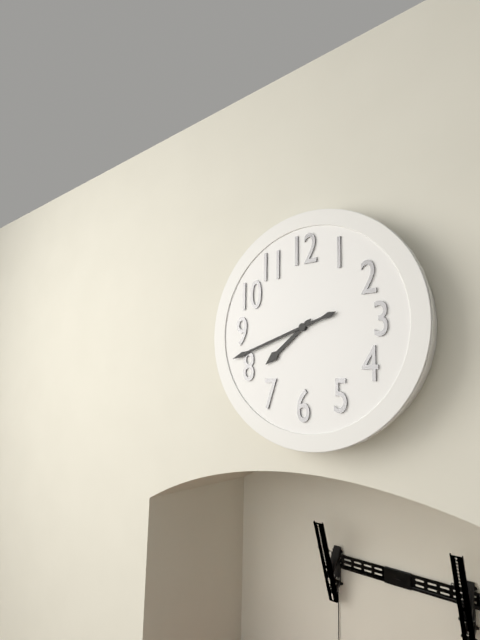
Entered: {"hour": 7, "minute": 42}
